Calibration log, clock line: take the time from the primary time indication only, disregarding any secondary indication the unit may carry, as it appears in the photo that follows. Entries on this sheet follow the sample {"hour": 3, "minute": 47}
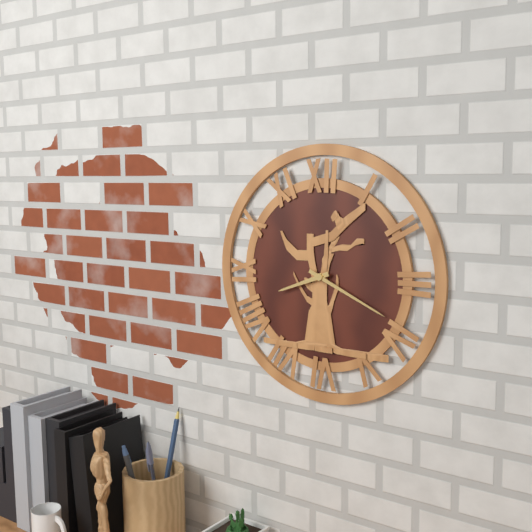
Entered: {"hour": 8, "minute": 19}
